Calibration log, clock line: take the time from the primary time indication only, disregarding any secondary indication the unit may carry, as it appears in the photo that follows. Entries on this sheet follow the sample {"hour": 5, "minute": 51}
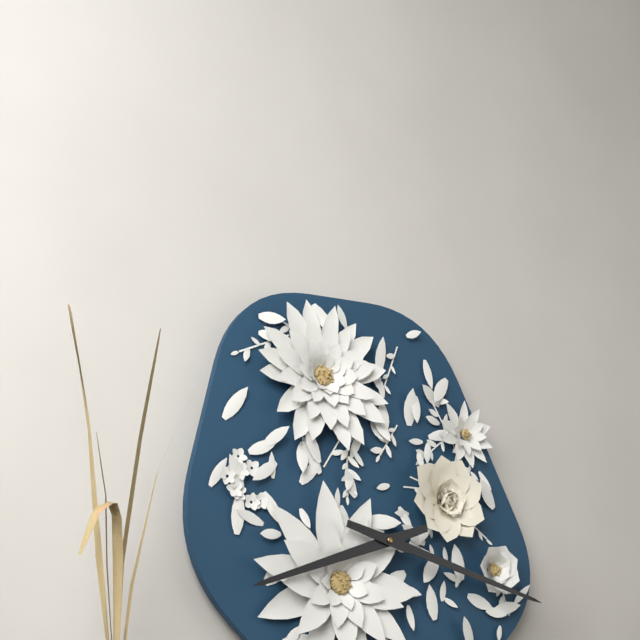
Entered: {"hour": 8, "minute": 17}
